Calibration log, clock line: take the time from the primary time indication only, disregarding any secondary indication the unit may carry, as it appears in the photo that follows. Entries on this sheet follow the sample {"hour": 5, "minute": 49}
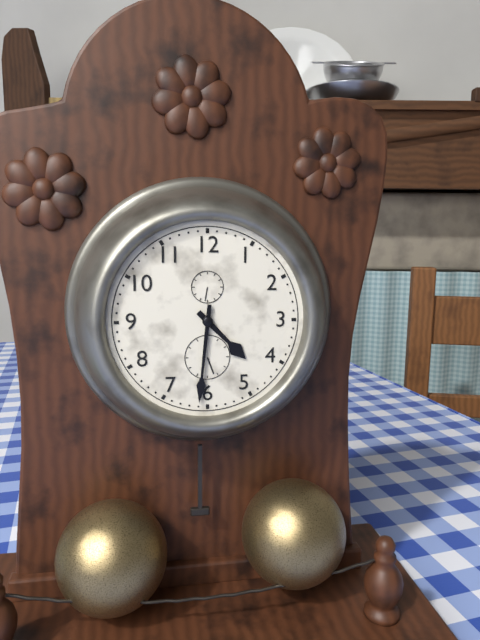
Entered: {"hour": 4, "minute": 31}
